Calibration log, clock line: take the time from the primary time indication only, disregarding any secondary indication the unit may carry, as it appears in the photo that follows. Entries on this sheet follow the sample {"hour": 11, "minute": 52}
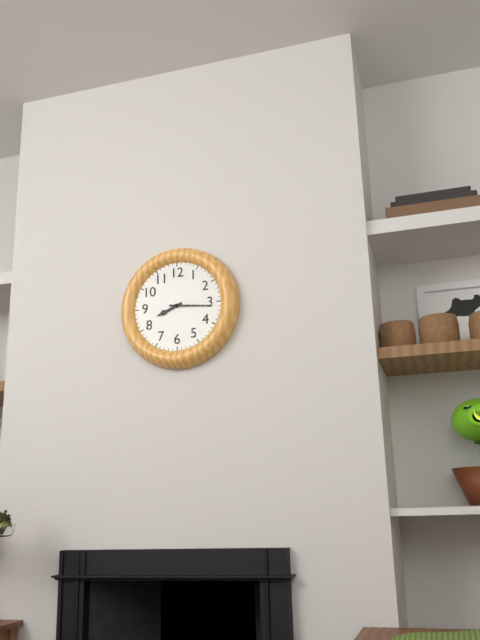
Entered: {"hour": 8, "minute": 16}
